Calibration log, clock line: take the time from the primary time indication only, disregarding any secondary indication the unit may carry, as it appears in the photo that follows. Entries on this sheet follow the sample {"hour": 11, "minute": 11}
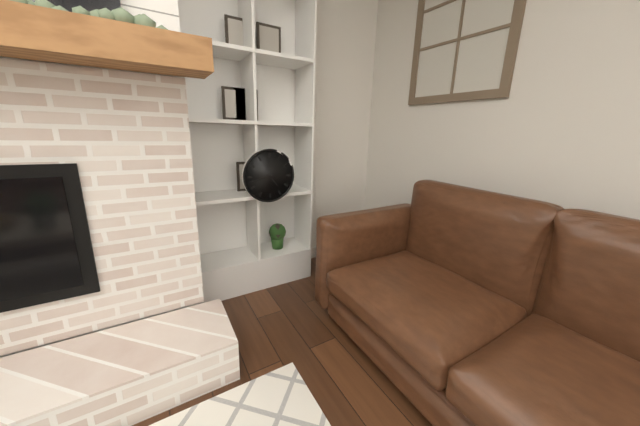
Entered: {"hour": 4, "minute": 43}
